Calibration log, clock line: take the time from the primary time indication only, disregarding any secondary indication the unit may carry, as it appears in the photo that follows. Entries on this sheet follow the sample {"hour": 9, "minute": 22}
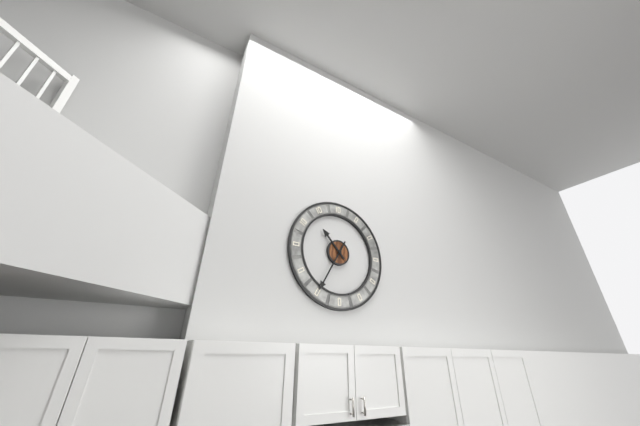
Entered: {"hour": 10, "minute": 35}
